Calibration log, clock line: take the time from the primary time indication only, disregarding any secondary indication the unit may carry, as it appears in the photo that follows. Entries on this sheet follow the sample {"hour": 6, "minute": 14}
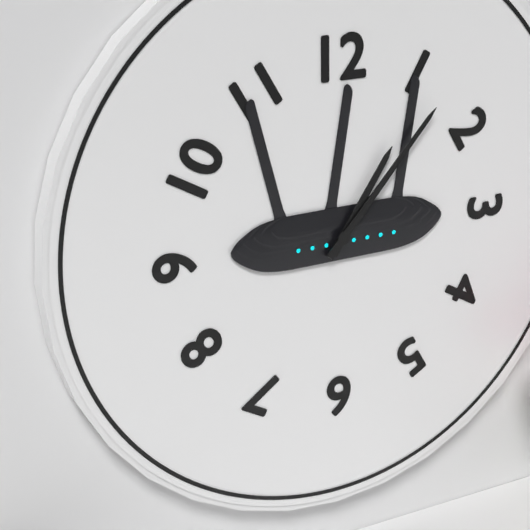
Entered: {"hour": 1, "minute": 7}
